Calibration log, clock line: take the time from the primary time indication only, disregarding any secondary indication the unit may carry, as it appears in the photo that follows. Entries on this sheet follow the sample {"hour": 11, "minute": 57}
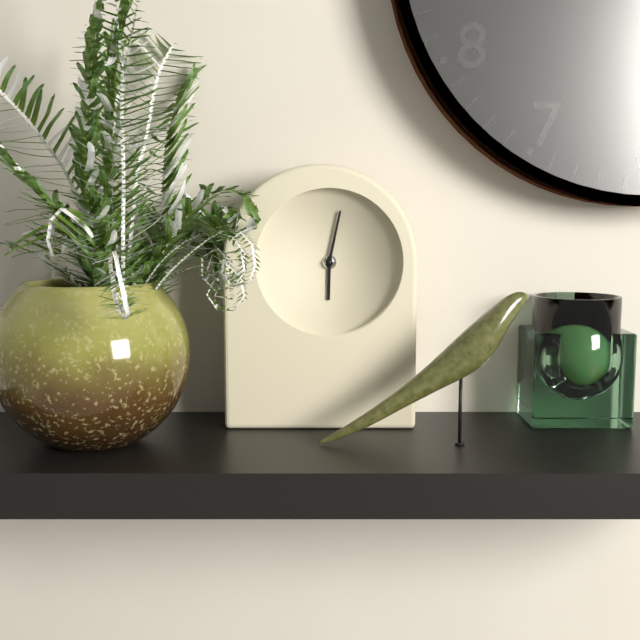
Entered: {"hour": 6, "minute": 2}
